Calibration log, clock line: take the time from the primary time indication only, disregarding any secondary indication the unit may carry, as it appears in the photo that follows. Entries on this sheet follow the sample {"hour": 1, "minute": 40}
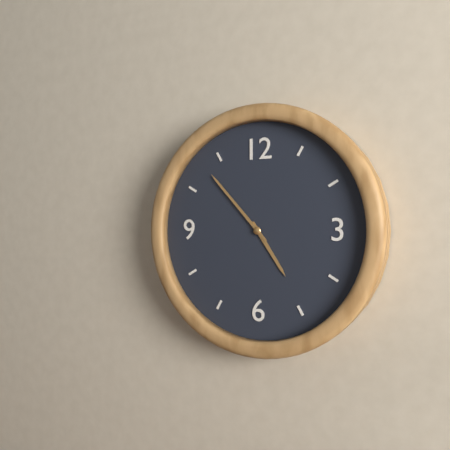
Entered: {"hour": 4, "minute": 53}
